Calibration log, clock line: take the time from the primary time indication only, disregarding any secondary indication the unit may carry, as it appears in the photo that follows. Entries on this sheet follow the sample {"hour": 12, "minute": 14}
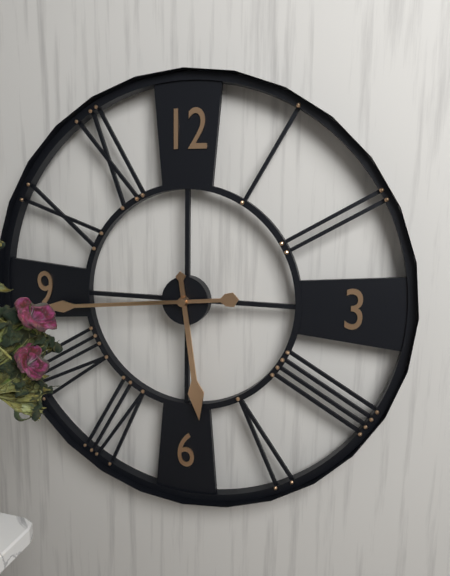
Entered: {"hour": 5, "minute": 44}
